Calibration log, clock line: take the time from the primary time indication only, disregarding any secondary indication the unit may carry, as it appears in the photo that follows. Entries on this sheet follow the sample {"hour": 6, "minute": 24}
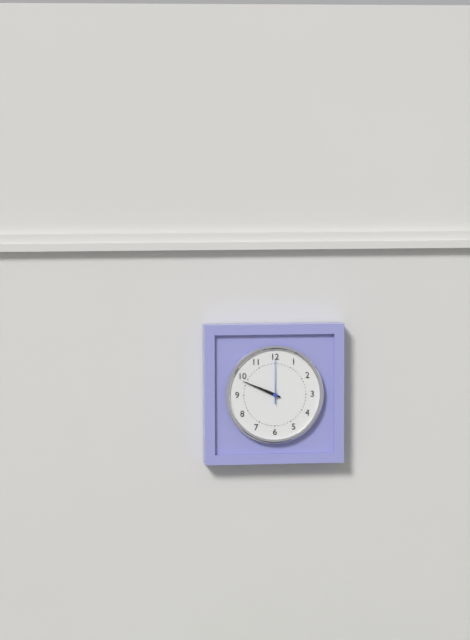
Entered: {"hour": 9, "minute": 49}
